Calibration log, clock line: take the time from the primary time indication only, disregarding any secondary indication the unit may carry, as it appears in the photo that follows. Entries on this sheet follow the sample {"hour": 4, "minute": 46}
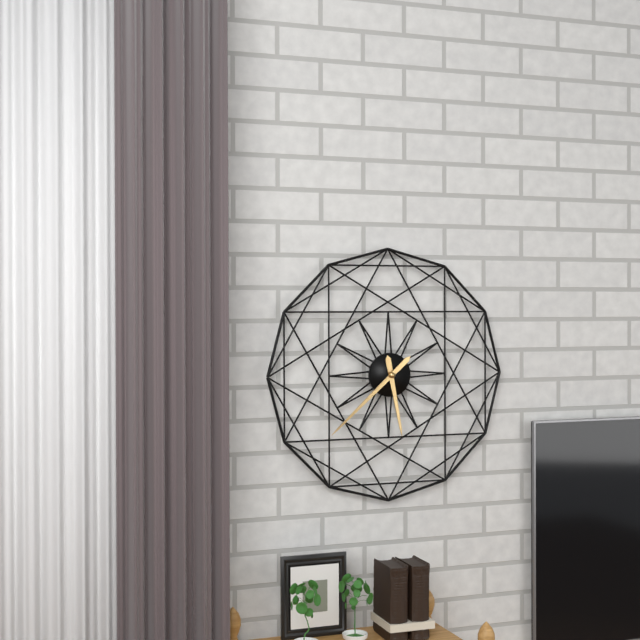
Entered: {"hour": 5, "minute": 38}
